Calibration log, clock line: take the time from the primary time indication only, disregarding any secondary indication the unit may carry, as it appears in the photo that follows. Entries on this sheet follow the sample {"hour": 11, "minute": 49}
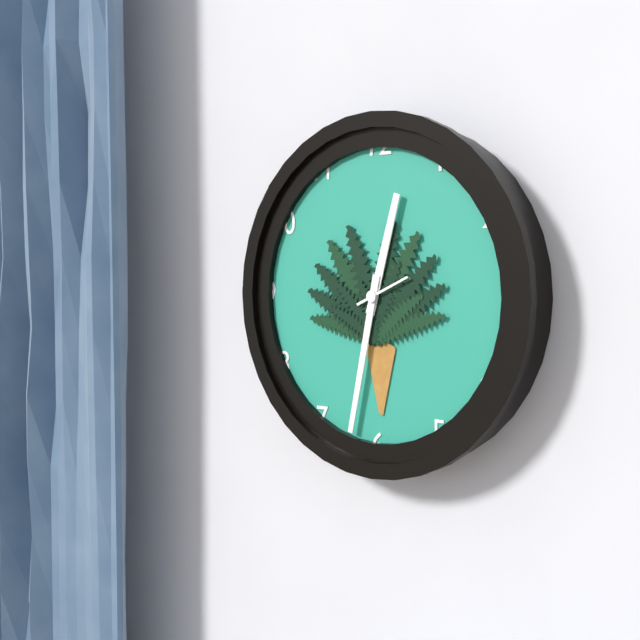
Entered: {"hour": 12, "minute": 32}
